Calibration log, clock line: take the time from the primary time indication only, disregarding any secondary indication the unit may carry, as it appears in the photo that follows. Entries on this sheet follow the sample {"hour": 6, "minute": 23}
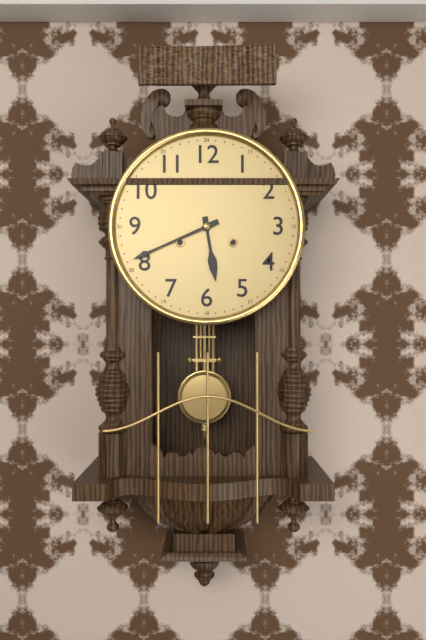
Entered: {"hour": 5, "minute": 41}
